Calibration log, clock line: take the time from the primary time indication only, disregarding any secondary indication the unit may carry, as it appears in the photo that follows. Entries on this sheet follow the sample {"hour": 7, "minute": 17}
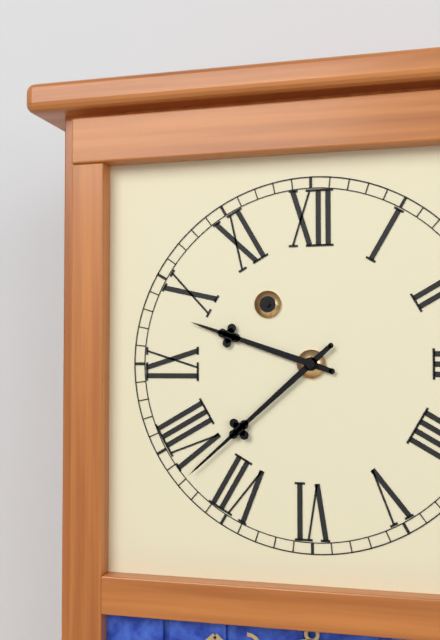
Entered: {"hour": 9, "minute": 38}
